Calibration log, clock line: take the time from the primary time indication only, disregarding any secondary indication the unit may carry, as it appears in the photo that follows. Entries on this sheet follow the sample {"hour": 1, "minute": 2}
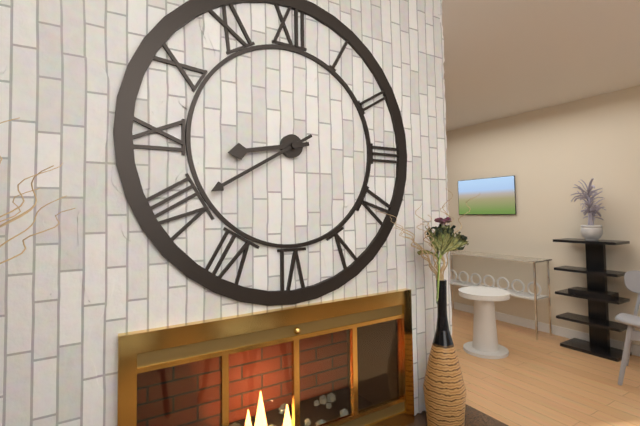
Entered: {"hour": 8, "minute": 40}
